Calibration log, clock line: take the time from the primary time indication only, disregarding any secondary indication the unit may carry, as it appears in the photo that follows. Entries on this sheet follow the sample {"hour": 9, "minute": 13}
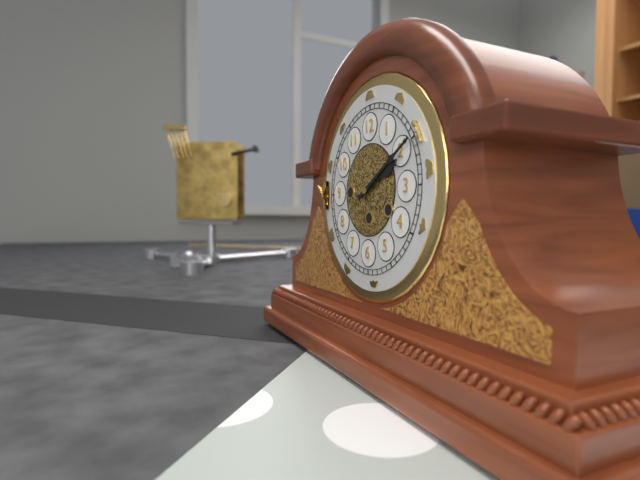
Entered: {"hour": 2, "minute": 10}
